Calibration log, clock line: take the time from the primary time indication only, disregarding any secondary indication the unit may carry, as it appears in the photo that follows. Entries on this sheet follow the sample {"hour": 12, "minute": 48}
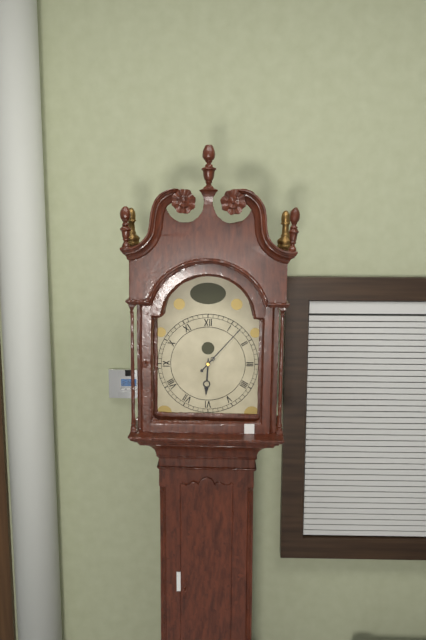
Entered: {"hour": 6, "minute": 7}
